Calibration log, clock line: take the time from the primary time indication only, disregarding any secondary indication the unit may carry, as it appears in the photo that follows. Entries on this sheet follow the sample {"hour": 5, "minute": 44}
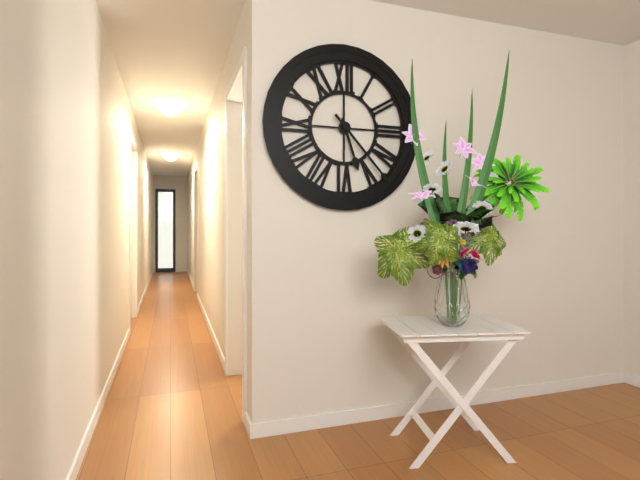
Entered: {"hour": 5, "minute": 23}
